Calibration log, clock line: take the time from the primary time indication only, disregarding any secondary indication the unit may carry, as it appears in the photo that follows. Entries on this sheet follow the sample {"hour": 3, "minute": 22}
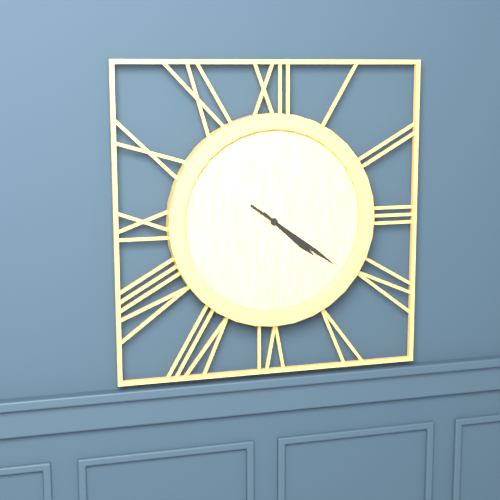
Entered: {"hour": 4, "minute": 21}
